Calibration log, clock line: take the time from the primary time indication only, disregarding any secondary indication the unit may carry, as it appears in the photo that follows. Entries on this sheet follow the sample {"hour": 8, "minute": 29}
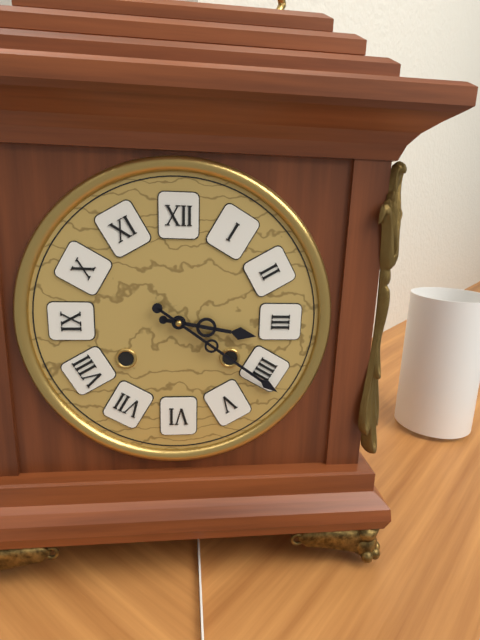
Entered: {"hour": 3, "minute": 21}
